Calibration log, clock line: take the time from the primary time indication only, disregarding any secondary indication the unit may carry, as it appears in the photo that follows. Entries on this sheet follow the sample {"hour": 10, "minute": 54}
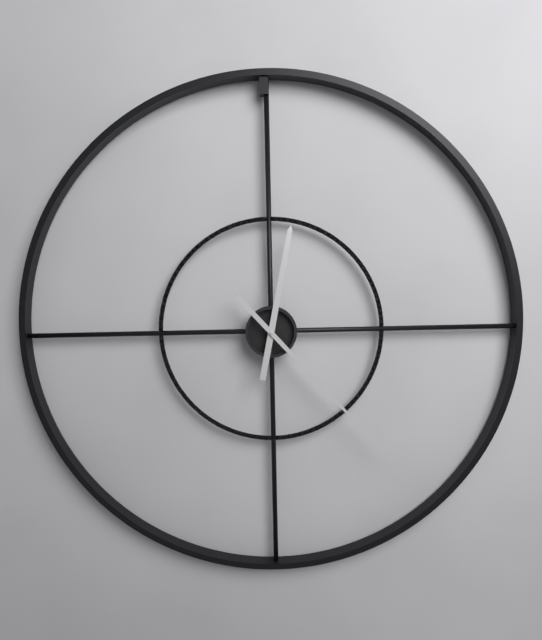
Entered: {"hour": 12, "minute": 23}
